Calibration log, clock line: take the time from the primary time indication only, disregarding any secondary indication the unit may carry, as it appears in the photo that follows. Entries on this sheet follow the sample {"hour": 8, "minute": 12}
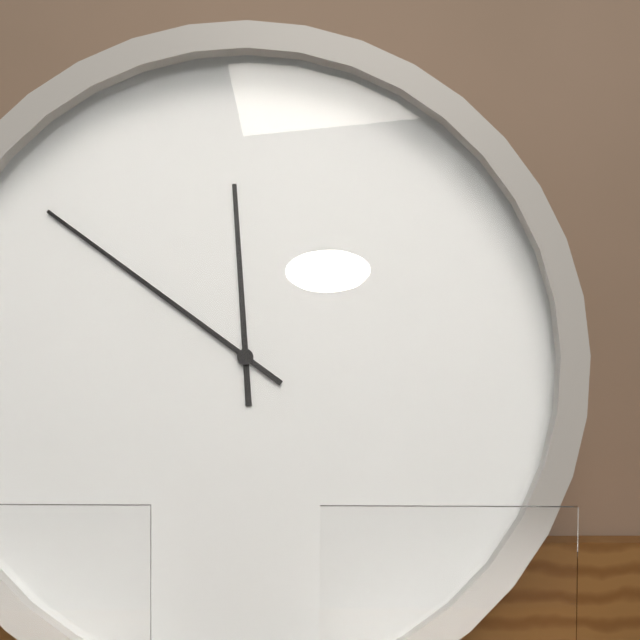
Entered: {"hour": 11, "minute": 51}
